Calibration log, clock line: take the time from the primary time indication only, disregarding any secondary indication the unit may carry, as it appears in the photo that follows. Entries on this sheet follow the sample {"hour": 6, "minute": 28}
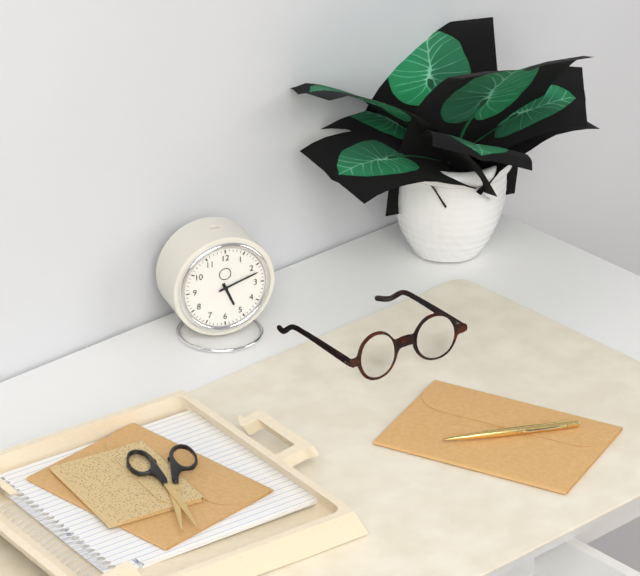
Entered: {"hour": 5, "minute": 12}
